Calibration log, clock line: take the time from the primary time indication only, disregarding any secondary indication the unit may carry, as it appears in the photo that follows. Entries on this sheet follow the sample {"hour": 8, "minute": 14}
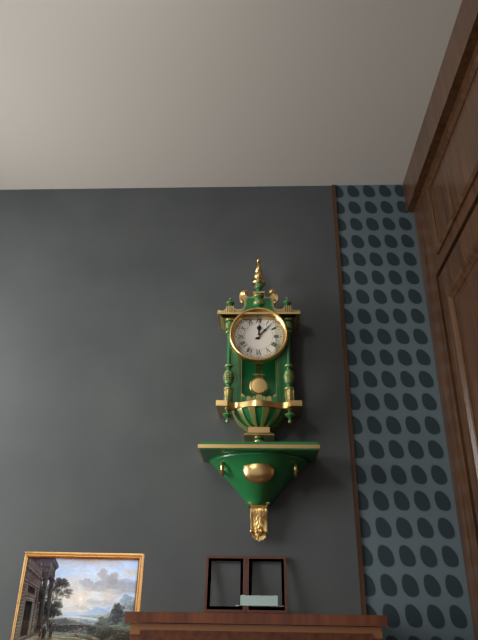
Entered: {"hour": 12, "minute": 7}
